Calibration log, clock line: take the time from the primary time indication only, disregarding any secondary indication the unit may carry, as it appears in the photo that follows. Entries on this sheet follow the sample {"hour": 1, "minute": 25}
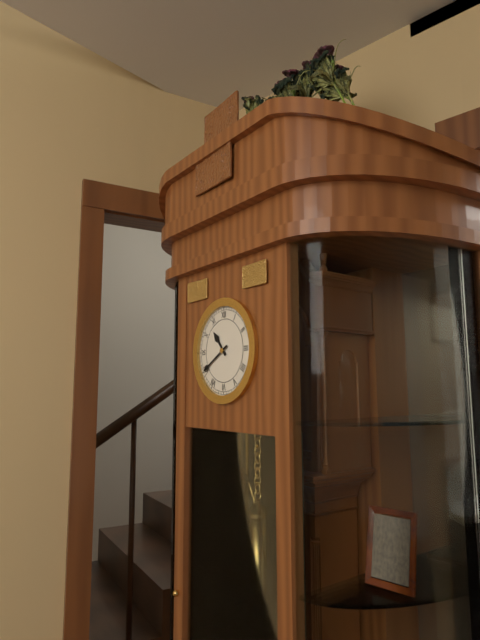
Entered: {"hour": 10, "minute": 40}
